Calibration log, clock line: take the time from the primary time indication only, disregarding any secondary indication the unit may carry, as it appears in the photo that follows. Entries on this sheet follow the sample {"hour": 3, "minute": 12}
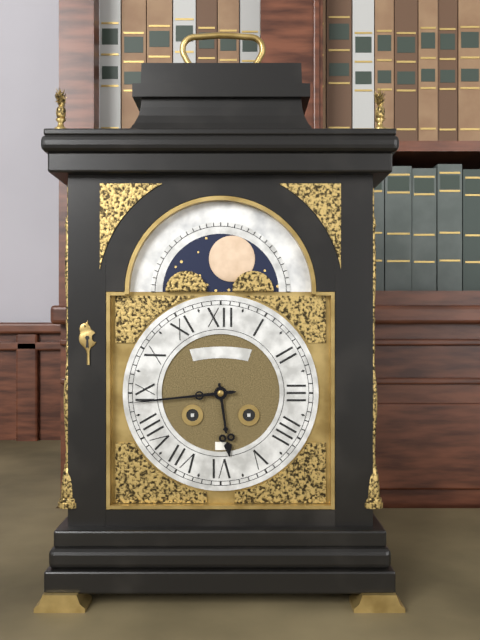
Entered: {"hour": 5, "minute": 44}
